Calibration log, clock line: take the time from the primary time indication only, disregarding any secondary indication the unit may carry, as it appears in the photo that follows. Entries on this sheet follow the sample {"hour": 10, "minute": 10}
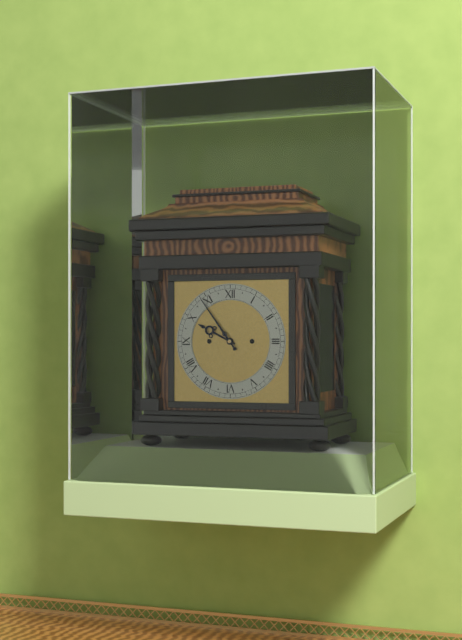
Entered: {"hour": 9, "minute": 54}
